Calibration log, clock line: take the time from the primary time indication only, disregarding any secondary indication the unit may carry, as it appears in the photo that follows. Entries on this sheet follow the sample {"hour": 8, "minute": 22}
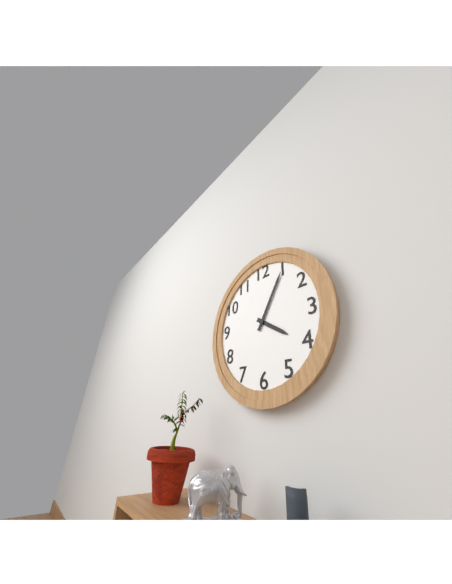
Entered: {"hour": 4, "minute": 5}
